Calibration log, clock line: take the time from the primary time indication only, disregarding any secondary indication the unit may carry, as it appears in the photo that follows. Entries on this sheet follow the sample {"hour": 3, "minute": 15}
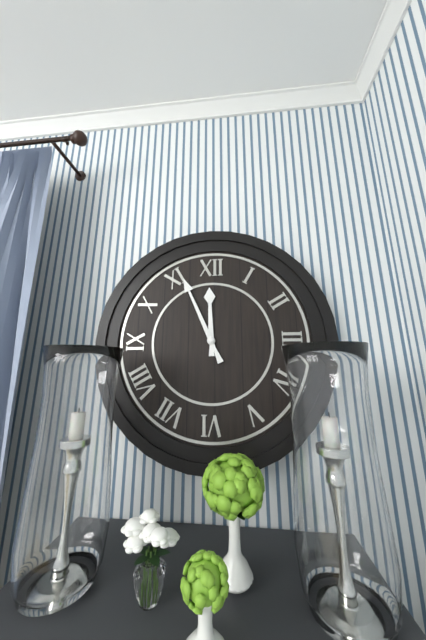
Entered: {"hour": 11, "minute": 56}
